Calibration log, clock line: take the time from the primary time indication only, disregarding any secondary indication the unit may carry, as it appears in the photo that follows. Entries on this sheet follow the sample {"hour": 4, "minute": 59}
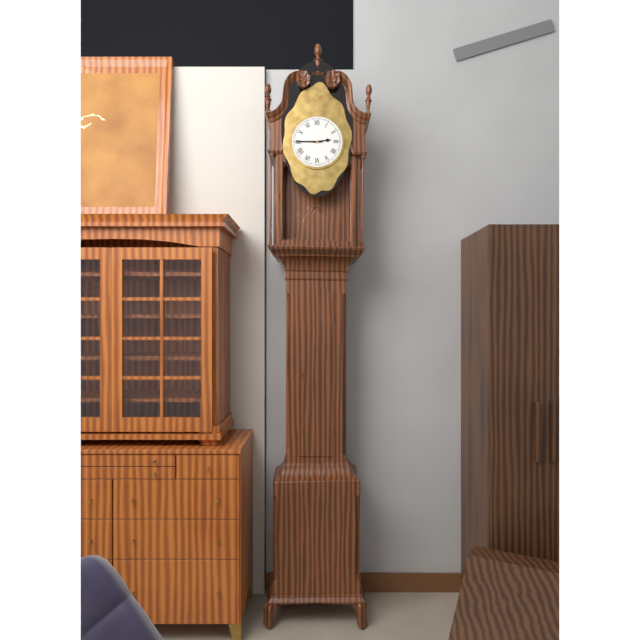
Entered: {"hour": 2, "minute": 45}
